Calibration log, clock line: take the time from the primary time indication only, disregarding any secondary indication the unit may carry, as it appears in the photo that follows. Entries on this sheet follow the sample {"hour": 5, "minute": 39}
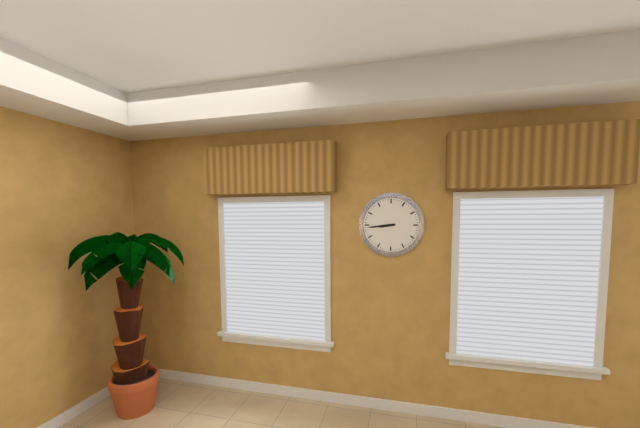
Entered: {"hour": 8, "minute": 44}
